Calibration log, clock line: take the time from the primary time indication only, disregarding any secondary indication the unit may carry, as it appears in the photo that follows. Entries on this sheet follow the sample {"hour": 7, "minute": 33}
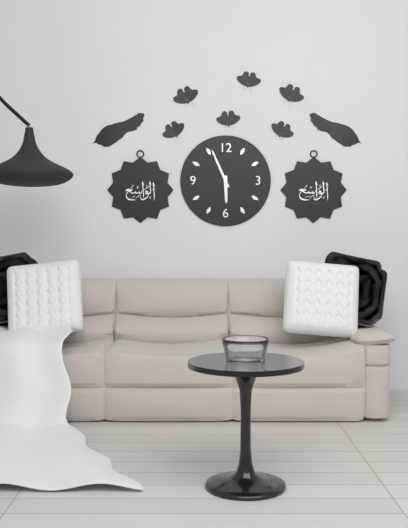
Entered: {"hour": 5, "minute": 56}
